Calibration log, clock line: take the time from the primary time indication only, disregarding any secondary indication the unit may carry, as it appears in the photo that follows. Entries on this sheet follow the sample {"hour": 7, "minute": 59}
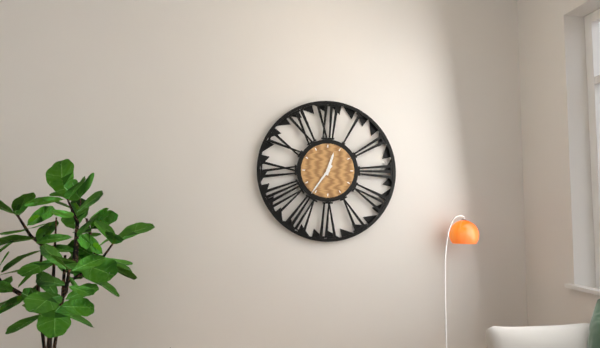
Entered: {"hour": 12, "minute": 36}
